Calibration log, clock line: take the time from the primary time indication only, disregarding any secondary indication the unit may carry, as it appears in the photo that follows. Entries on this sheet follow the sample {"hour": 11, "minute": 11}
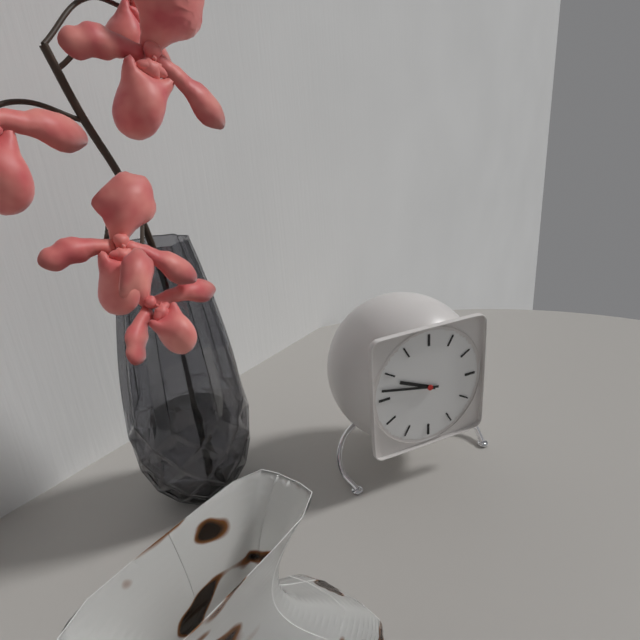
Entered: {"hour": 9, "minute": 47}
